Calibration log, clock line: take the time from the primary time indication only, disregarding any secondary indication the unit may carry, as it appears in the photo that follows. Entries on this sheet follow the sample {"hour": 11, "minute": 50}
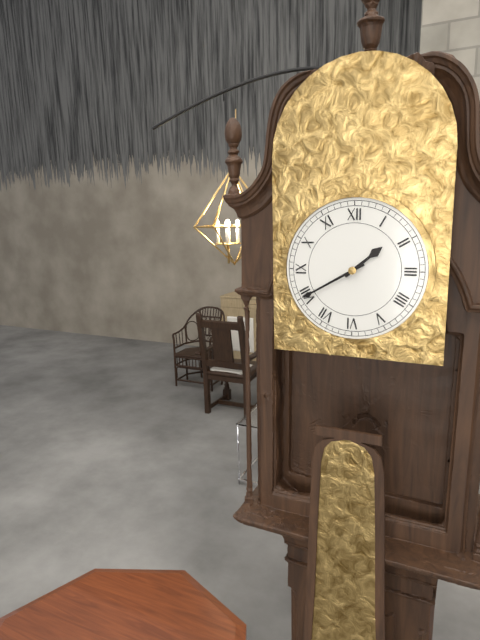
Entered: {"hour": 1, "minute": 40}
